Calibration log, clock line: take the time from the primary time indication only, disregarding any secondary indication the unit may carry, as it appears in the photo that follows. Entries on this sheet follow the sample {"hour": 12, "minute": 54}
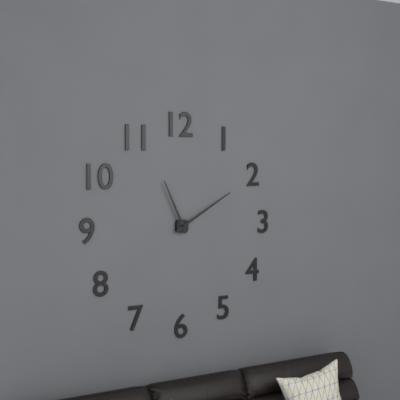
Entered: {"hour": 11, "minute": 10}
